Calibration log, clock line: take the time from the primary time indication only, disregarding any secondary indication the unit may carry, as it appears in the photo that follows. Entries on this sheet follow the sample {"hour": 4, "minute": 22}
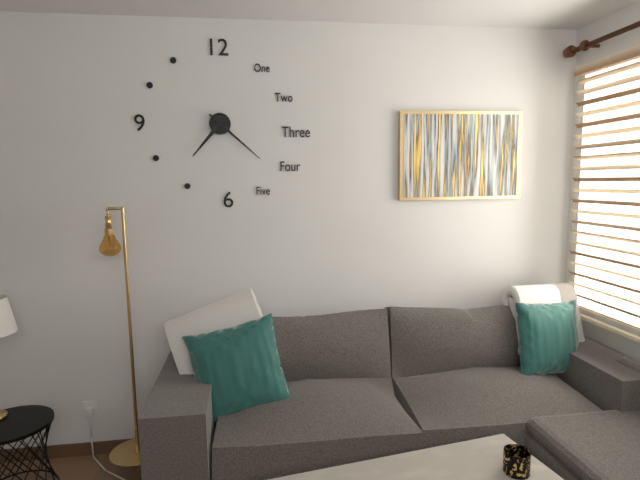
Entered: {"hour": 7, "minute": 22}
